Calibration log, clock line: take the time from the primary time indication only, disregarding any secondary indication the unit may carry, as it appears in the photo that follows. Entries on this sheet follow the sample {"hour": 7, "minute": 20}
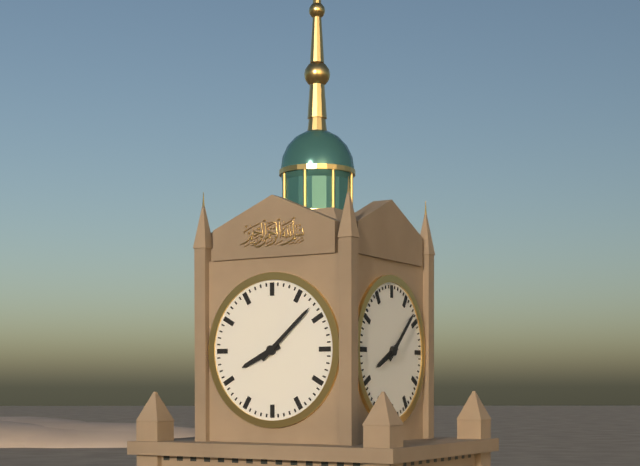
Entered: {"hour": 8, "minute": 8}
